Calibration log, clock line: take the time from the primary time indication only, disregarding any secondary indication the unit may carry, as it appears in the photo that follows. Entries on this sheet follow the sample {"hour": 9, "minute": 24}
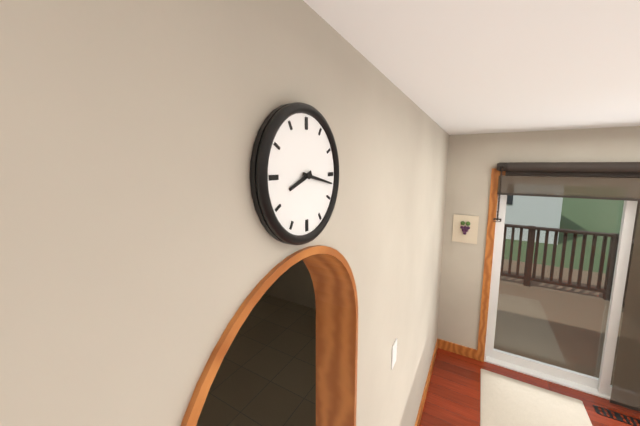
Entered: {"hour": 8, "minute": 17}
